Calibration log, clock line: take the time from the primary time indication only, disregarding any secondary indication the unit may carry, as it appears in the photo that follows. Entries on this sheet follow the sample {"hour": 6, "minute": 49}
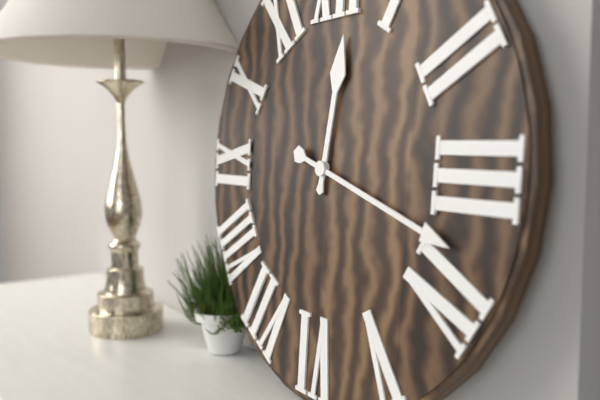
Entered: {"hour": 12, "minute": 18}
